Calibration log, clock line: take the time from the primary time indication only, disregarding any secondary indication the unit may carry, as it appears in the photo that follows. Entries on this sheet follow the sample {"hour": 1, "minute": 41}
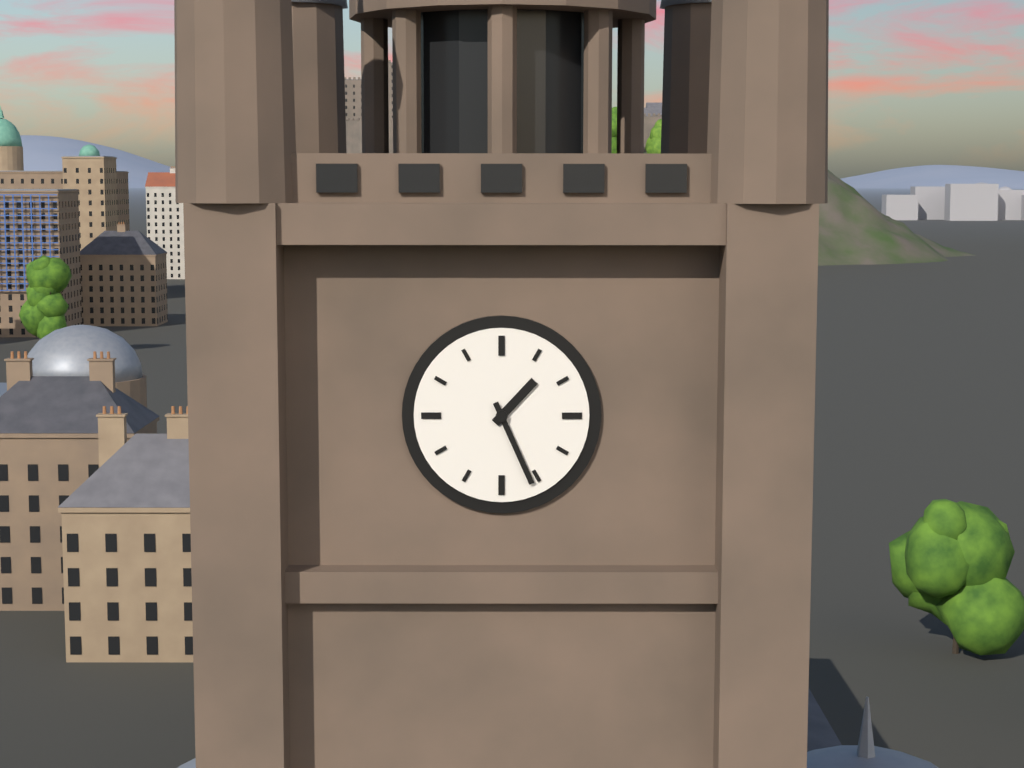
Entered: {"hour": 1, "minute": 26}
